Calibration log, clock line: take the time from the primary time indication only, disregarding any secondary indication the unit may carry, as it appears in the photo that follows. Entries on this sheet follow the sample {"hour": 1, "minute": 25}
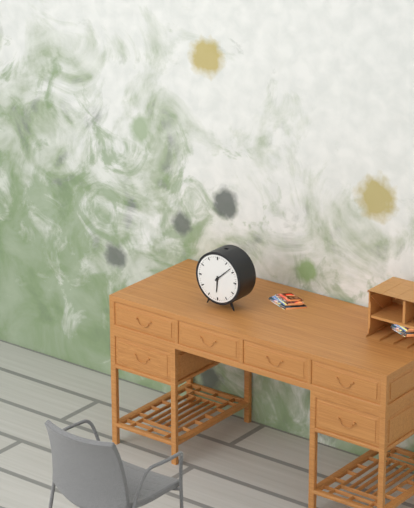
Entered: {"hour": 6, "minute": 8}
